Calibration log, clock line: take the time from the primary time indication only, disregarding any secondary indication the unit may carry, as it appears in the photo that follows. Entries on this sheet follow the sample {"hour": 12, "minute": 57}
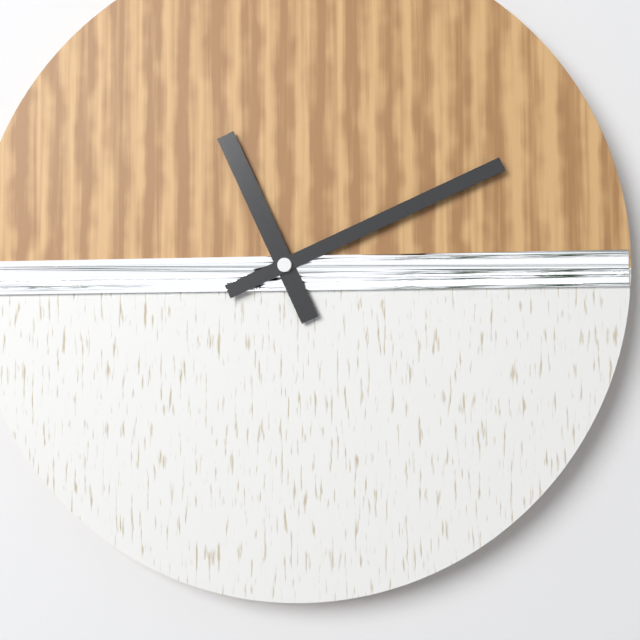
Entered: {"hour": 11, "minute": 11}
